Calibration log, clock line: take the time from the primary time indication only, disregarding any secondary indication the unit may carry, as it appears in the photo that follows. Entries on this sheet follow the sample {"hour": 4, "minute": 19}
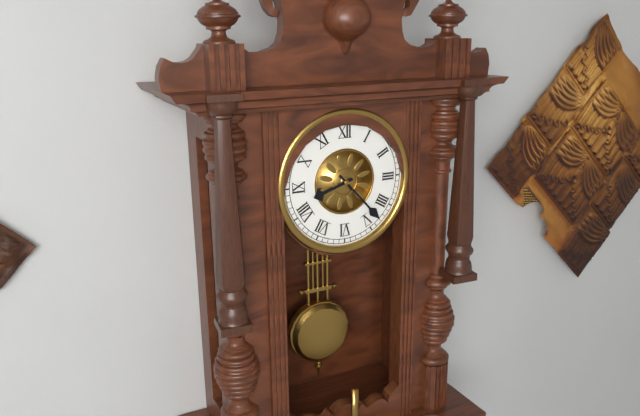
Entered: {"hour": 8, "minute": 23}
